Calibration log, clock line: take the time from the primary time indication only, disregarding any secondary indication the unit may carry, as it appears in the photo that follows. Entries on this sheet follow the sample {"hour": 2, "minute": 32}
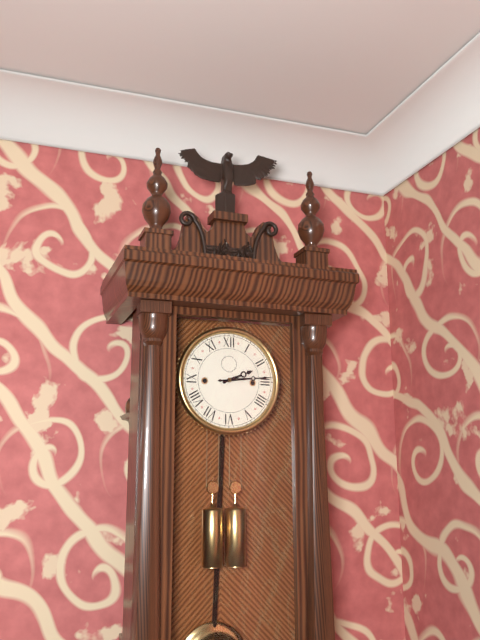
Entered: {"hour": 2, "minute": 14}
